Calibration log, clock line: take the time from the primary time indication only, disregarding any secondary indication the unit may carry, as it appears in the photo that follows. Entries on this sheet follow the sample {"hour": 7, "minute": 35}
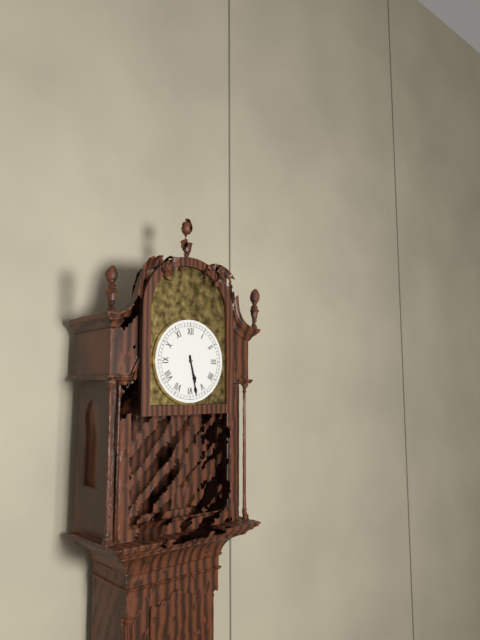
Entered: {"hour": 5, "minute": 28}
